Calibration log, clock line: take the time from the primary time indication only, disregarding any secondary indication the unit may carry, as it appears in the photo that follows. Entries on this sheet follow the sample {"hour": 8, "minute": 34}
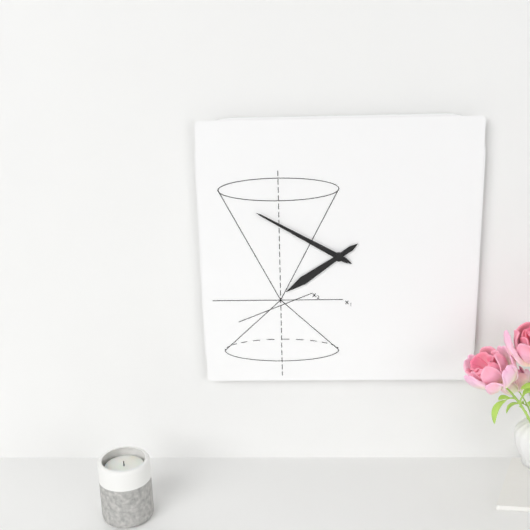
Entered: {"hour": 7, "minute": 50}
